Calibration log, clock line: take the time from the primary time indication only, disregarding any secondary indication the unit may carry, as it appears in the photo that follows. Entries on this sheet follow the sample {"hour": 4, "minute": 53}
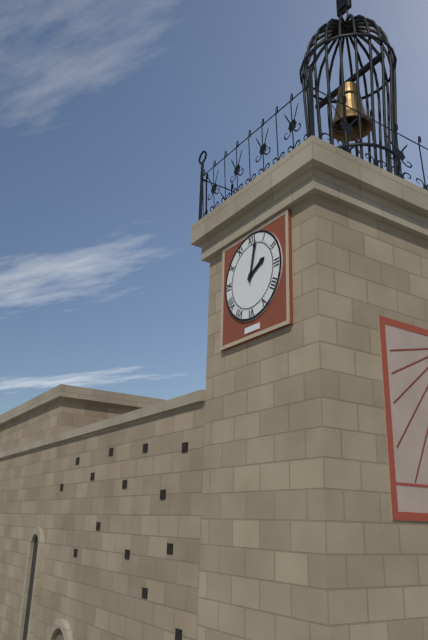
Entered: {"hour": 2, "minute": 2}
